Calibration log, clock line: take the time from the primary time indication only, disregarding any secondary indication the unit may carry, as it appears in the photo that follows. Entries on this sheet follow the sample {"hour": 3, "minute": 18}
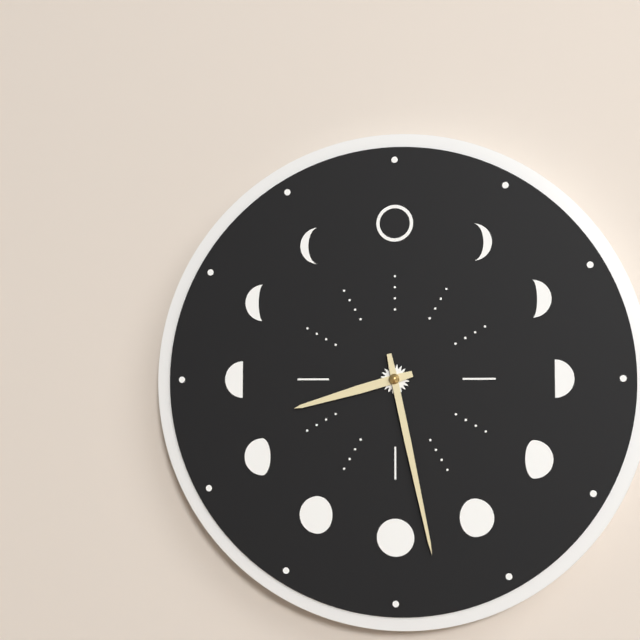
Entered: {"hour": 8, "minute": 28}
